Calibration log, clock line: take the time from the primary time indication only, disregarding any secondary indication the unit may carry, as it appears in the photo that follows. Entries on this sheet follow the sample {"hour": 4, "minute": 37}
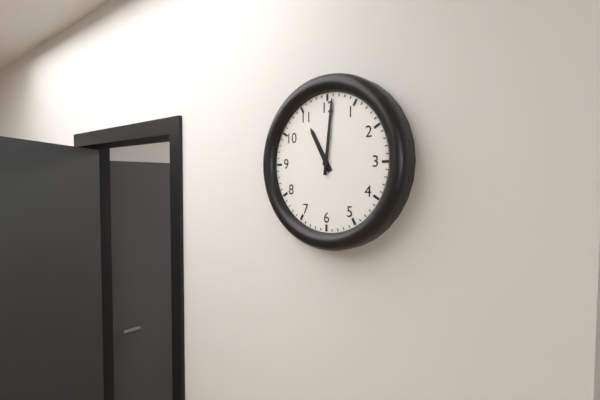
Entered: {"hour": 11, "minute": 1}
